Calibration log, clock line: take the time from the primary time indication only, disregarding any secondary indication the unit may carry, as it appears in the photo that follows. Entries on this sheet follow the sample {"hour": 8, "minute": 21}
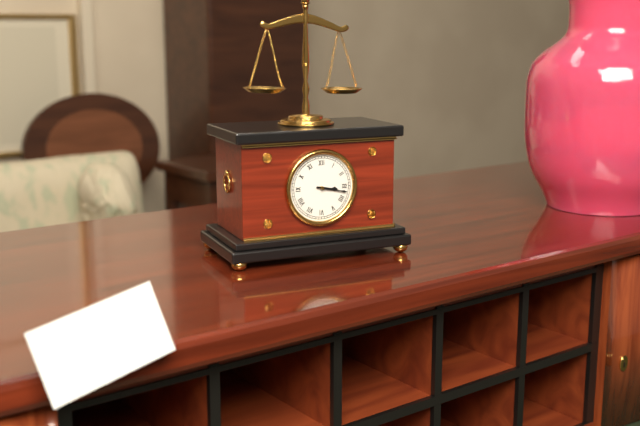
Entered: {"hour": 3, "minute": 17}
